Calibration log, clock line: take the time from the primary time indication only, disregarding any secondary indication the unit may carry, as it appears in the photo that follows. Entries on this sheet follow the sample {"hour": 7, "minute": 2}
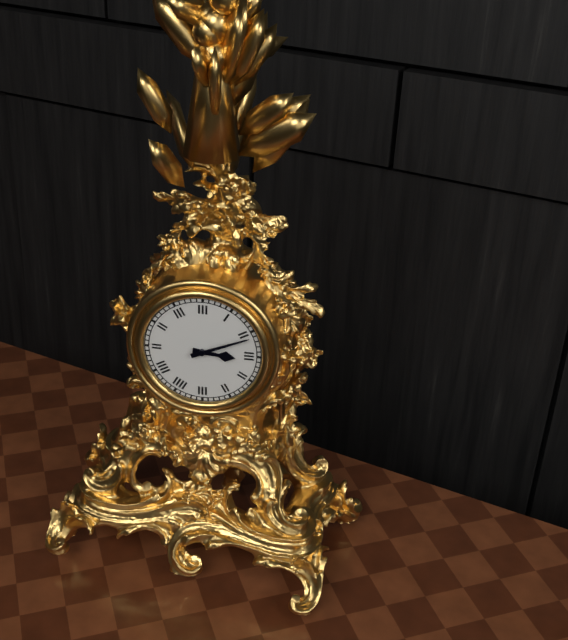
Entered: {"hour": 3, "minute": 11}
